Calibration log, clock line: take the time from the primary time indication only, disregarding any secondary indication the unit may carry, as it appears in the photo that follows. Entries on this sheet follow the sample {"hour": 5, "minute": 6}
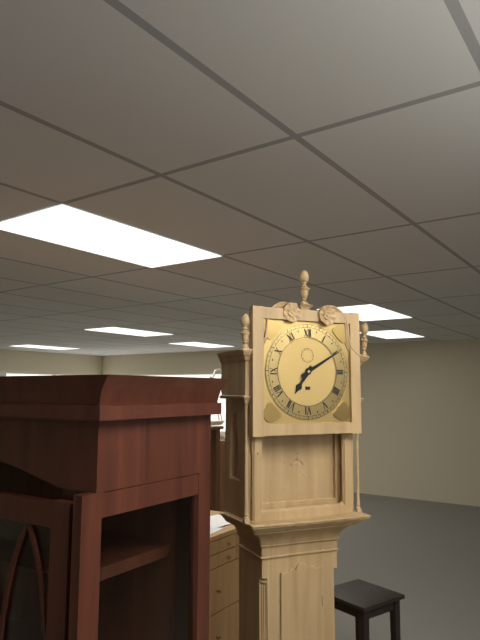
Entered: {"hour": 7, "minute": 10}
